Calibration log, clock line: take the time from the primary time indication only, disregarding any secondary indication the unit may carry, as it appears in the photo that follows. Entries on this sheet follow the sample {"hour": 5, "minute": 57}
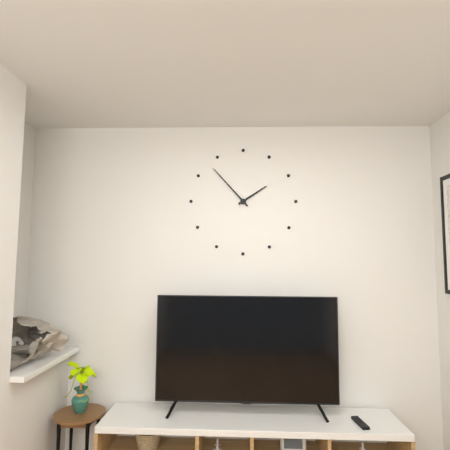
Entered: {"hour": 1, "minute": 53}
